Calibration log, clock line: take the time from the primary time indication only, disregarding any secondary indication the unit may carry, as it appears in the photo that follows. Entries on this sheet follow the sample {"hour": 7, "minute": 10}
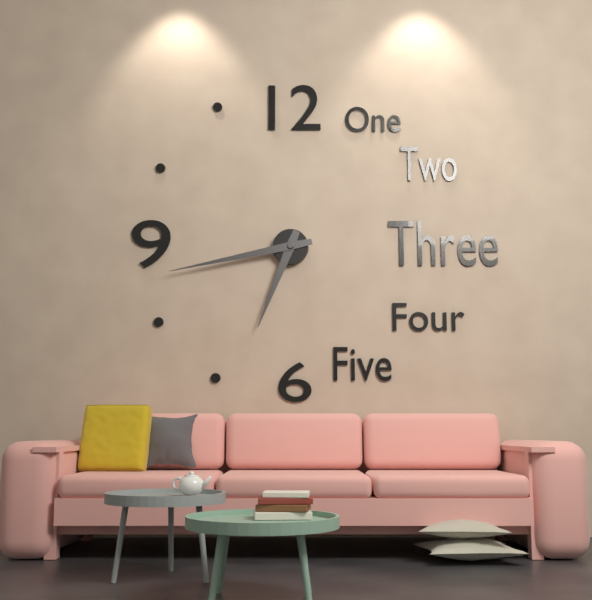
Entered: {"hour": 6, "minute": 43}
